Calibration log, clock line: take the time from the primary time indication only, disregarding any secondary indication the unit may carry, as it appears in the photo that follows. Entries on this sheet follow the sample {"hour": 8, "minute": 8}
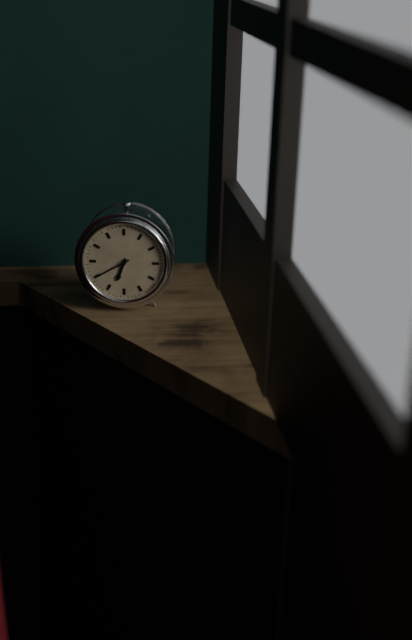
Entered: {"hour": 6, "minute": 40}
